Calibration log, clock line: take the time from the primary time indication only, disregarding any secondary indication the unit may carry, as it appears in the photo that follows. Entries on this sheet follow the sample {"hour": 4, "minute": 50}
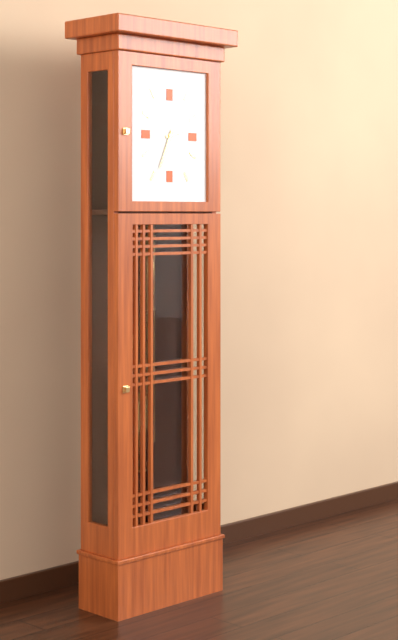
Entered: {"hour": 2, "minute": 34}
